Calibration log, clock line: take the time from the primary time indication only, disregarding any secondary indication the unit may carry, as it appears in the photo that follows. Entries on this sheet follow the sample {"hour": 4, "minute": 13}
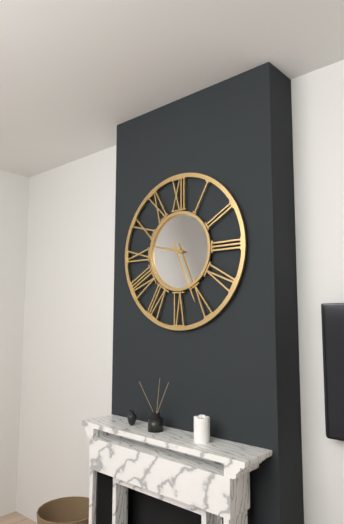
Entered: {"hour": 9, "minute": 26}
